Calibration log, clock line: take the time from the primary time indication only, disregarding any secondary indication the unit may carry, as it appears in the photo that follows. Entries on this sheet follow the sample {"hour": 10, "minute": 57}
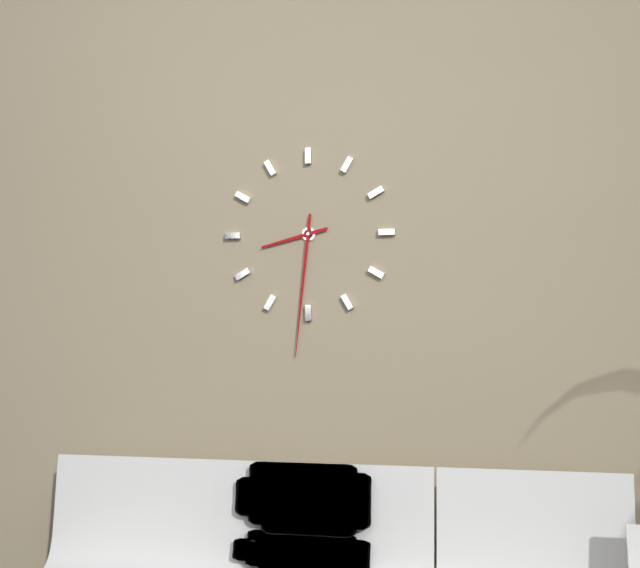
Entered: {"hour": 8, "minute": 31}
